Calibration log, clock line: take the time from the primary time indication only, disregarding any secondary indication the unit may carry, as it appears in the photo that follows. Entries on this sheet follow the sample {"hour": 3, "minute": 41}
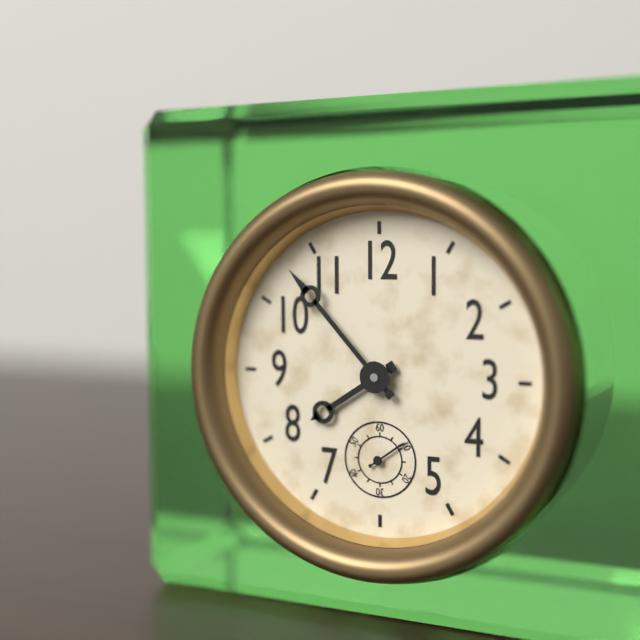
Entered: {"hour": 7, "minute": 53}
